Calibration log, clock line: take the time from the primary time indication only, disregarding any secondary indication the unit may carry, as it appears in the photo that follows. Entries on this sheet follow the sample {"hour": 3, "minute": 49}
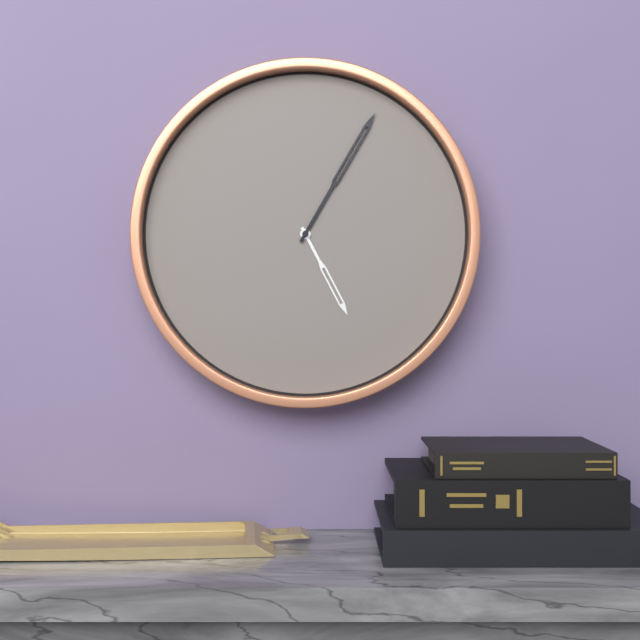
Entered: {"hour": 5, "minute": 5}
